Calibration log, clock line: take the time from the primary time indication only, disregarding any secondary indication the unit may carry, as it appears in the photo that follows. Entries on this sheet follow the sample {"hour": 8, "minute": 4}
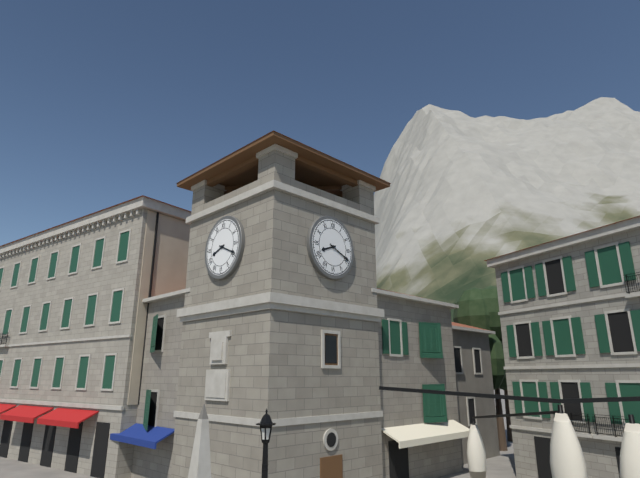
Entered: {"hour": 8, "minute": 19}
